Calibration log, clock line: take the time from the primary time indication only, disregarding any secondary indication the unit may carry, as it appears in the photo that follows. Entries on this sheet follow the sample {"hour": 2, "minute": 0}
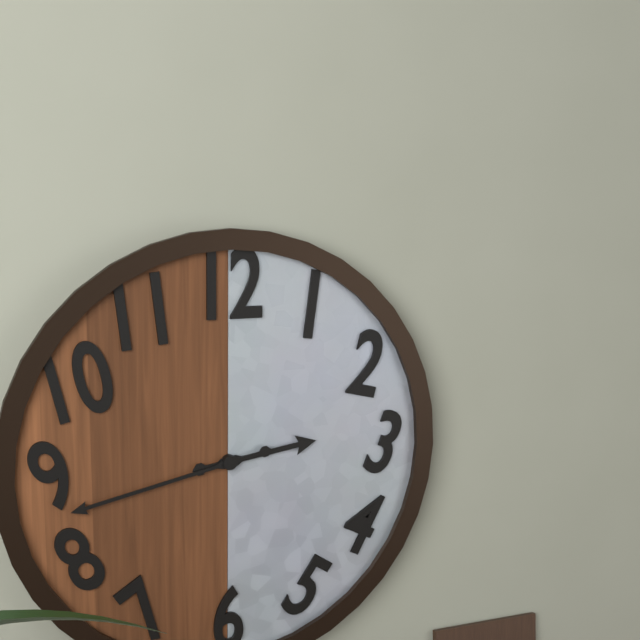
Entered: {"hour": 2, "minute": 43}
